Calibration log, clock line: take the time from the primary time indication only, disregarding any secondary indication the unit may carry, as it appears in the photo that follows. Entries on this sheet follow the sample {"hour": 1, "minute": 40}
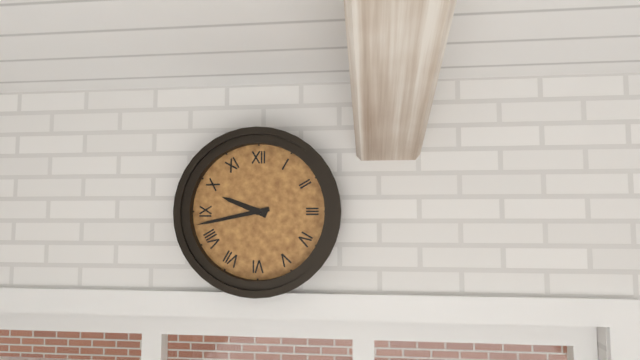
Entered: {"hour": 9, "minute": 43}
